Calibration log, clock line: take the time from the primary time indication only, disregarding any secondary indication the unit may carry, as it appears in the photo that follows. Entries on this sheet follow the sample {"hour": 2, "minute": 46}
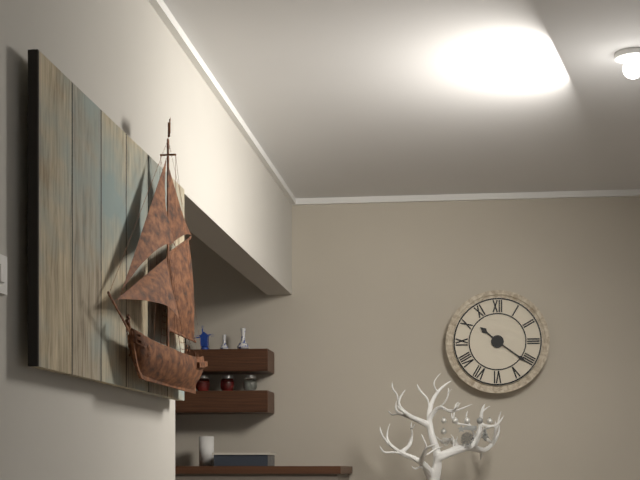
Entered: {"hour": 10, "minute": 21}
